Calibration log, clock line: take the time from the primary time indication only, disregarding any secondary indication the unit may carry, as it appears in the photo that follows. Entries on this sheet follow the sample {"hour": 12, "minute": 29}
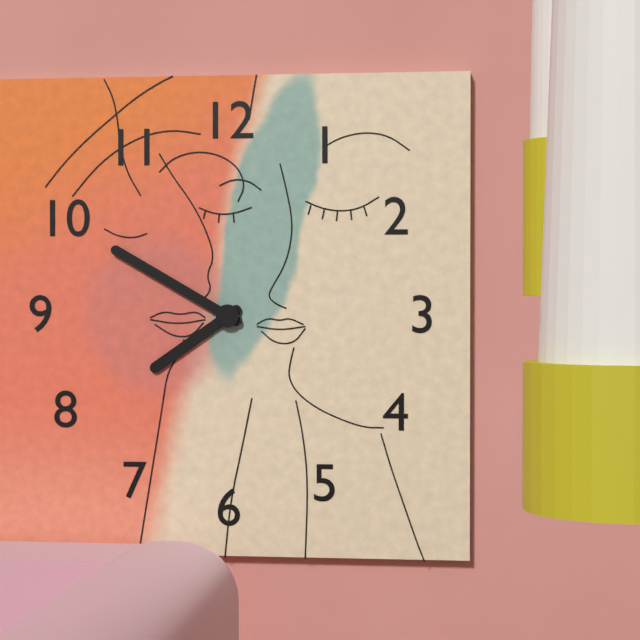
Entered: {"hour": 7, "minute": 50}
